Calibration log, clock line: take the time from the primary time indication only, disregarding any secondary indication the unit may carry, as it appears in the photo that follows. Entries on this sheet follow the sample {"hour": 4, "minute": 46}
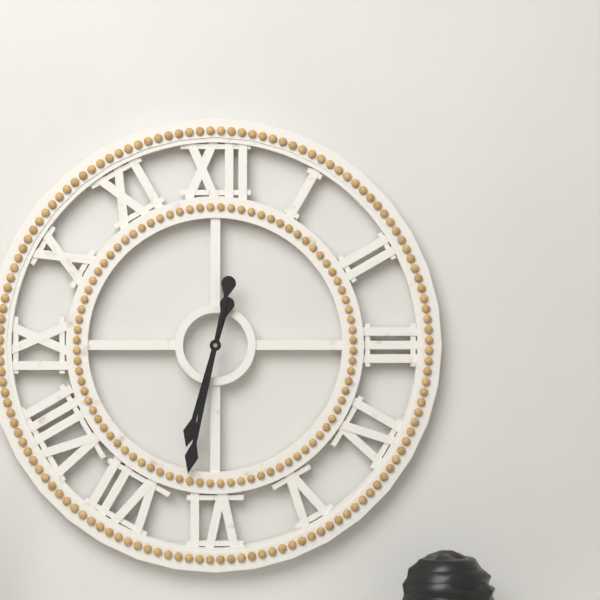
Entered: {"hour": 6, "minute": 32}
